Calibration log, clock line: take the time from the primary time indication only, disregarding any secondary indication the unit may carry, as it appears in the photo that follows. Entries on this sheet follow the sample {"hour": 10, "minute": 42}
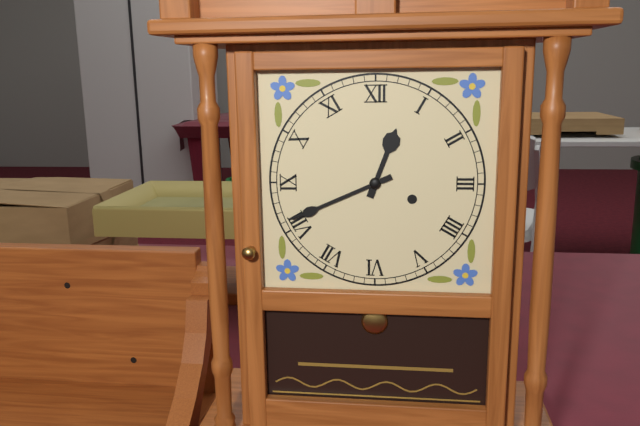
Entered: {"hour": 12, "minute": 41}
